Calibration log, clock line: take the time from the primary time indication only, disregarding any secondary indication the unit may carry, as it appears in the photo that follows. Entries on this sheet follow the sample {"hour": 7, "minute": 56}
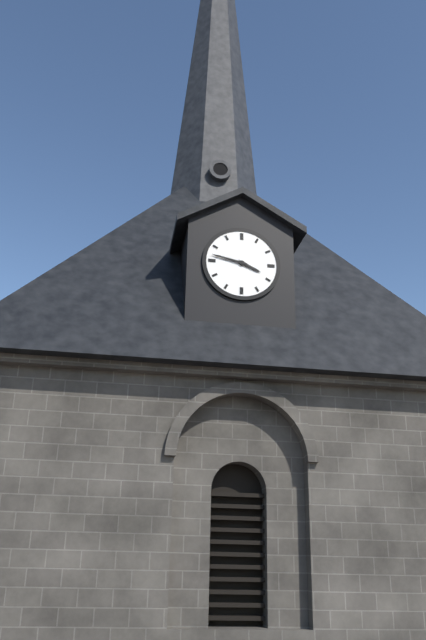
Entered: {"hour": 3, "minute": 47}
